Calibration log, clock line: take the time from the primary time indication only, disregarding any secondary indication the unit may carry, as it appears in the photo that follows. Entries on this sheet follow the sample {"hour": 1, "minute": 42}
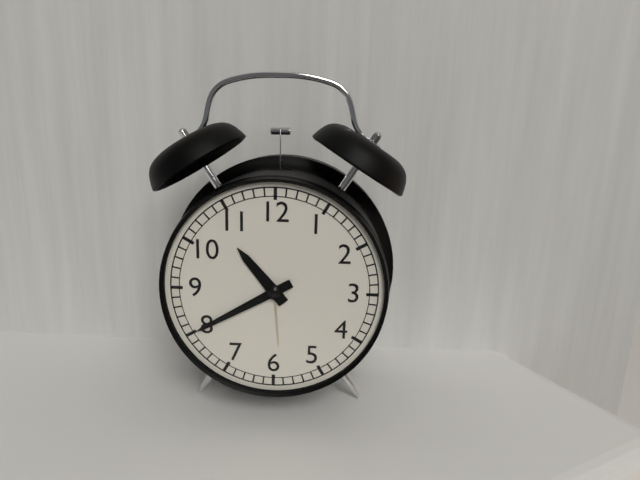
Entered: {"hour": 10, "minute": 40}
